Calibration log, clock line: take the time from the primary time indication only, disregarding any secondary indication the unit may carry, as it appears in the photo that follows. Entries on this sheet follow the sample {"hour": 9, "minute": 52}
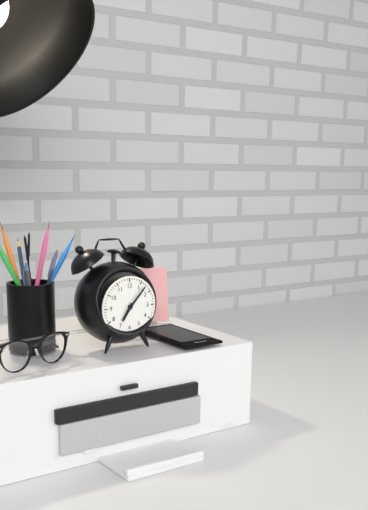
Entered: {"hour": 7, "minute": 7}
